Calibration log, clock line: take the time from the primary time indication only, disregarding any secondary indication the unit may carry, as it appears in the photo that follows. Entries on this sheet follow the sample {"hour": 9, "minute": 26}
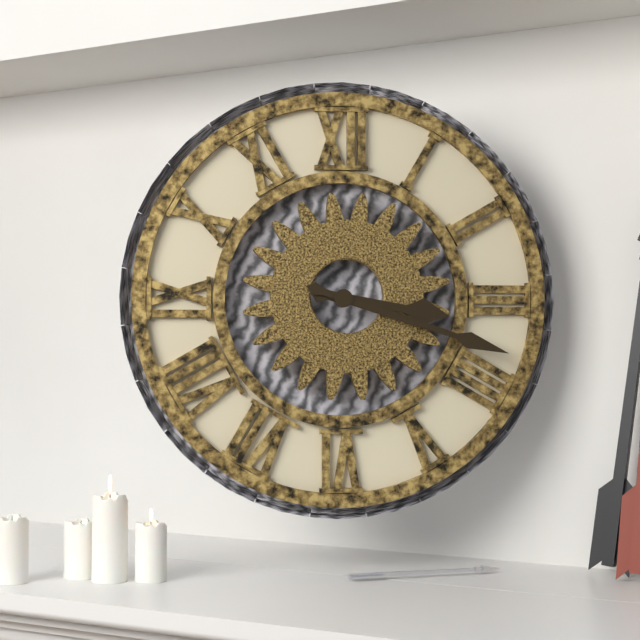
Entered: {"hour": 3, "minute": 18}
